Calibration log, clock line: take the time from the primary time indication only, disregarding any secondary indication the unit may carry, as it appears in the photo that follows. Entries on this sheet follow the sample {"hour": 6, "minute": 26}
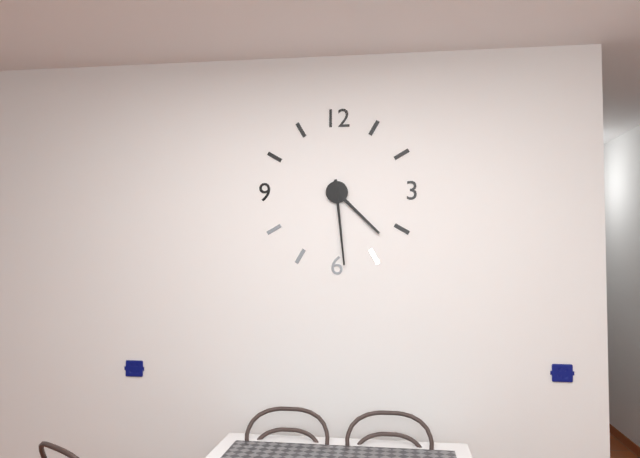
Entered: {"hour": 4, "minute": 29}
